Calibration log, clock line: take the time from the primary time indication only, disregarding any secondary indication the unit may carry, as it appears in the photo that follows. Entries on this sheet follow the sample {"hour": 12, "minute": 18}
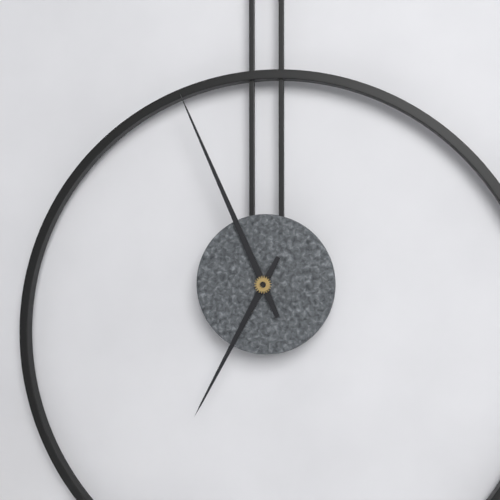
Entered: {"hour": 6, "minute": 56}
